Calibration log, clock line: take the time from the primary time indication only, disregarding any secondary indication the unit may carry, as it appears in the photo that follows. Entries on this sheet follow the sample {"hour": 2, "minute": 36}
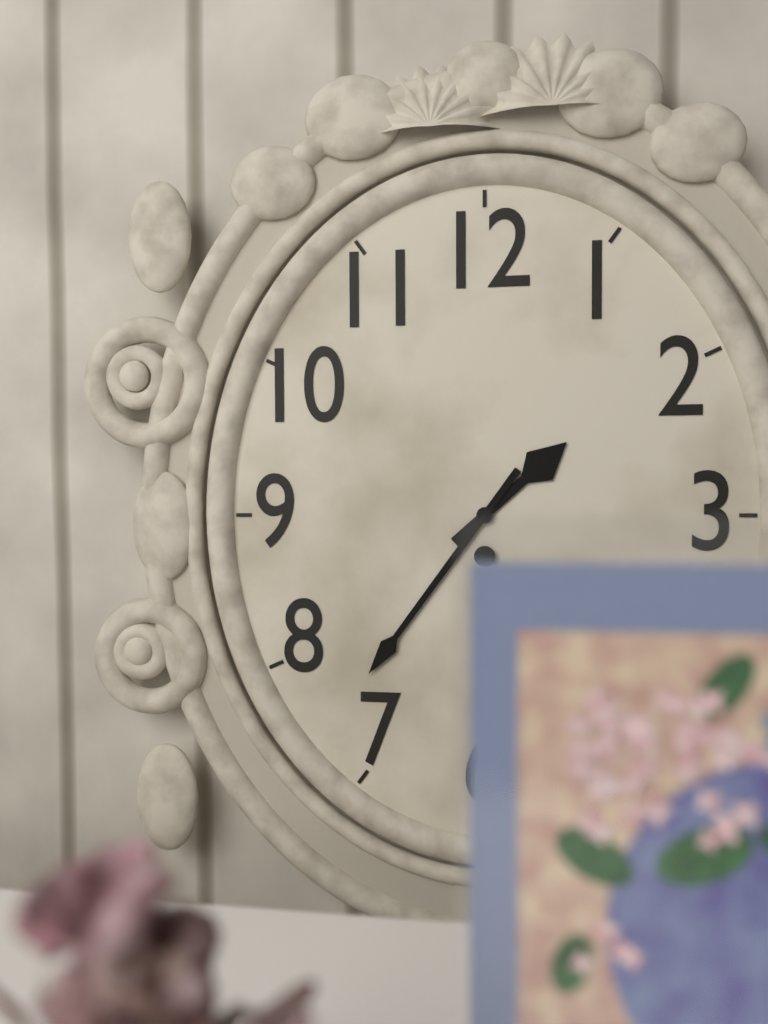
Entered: {"hour": 1, "minute": 36}
